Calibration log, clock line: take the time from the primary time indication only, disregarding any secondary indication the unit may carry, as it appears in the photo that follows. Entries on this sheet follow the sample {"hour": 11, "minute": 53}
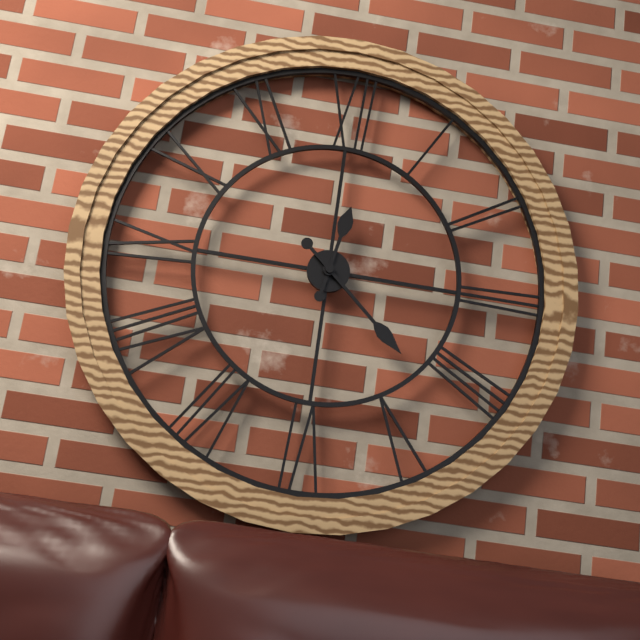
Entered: {"hour": 12, "minute": 22}
